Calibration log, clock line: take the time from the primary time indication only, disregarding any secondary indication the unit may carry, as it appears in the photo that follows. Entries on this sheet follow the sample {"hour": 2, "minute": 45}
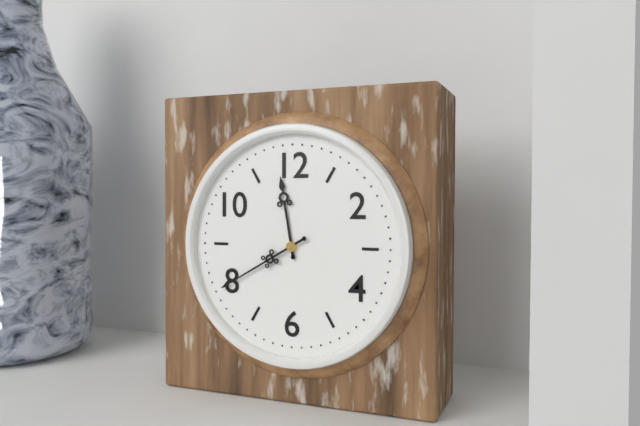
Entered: {"hour": 11, "minute": 40}
